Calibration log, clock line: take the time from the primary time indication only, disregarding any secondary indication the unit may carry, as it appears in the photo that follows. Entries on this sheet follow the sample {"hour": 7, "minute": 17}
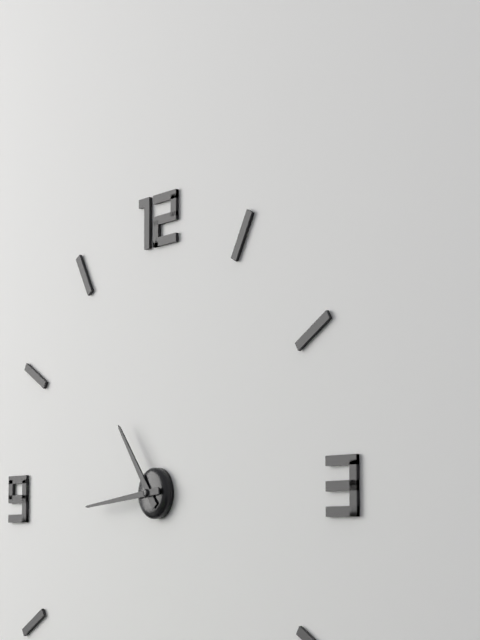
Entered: {"hour": 10, "minute": 44}
